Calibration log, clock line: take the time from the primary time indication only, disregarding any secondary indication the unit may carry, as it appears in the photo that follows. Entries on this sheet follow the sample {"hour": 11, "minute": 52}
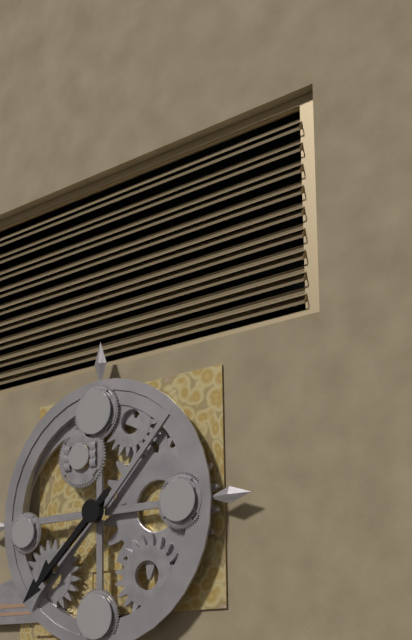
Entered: {"hour": 7, "minute": 38}
